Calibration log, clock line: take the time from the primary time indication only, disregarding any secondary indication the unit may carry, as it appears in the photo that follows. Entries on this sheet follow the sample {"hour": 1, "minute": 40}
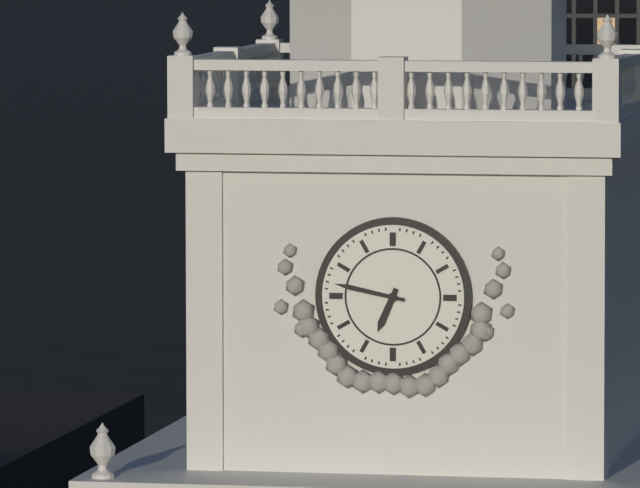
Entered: {"hour": 6, "minute": 47}
